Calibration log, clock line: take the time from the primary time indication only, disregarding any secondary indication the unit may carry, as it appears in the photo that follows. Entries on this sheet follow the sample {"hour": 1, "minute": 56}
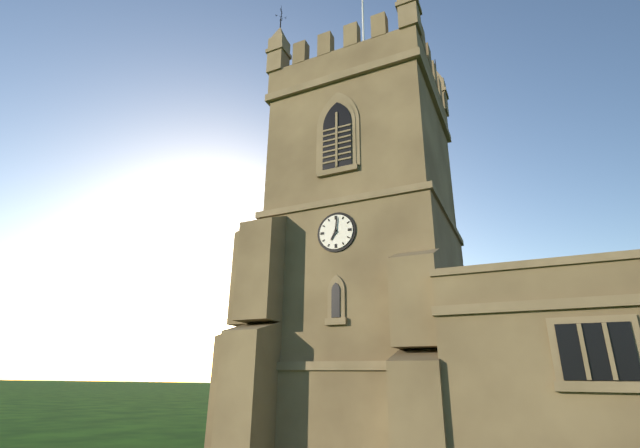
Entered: {"hour": 7, "minute": 1}
